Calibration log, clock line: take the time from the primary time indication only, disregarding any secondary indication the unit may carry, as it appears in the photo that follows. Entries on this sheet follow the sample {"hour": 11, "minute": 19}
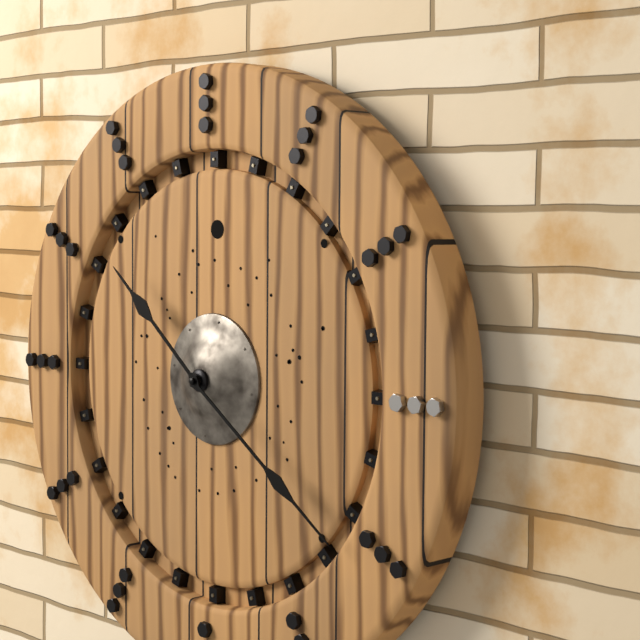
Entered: {"hour": 10, "minute": 21}
